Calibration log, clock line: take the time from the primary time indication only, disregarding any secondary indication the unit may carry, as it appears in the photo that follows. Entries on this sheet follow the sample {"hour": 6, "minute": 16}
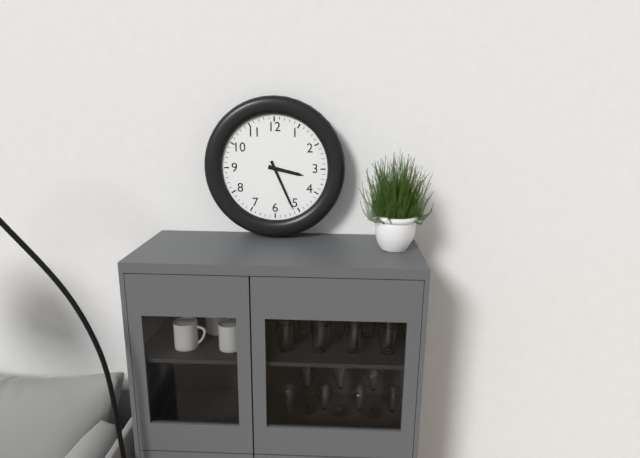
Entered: {"hour": 3, "minute": 26}
